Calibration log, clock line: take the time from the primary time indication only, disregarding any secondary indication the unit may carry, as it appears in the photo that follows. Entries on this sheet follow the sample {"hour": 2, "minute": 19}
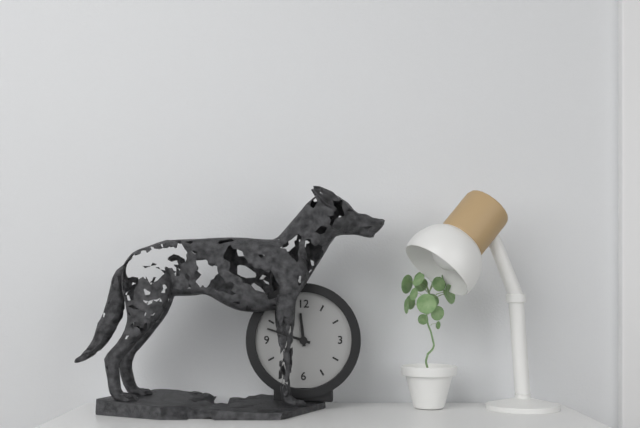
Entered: {"hour": 11, "minute": 48}
